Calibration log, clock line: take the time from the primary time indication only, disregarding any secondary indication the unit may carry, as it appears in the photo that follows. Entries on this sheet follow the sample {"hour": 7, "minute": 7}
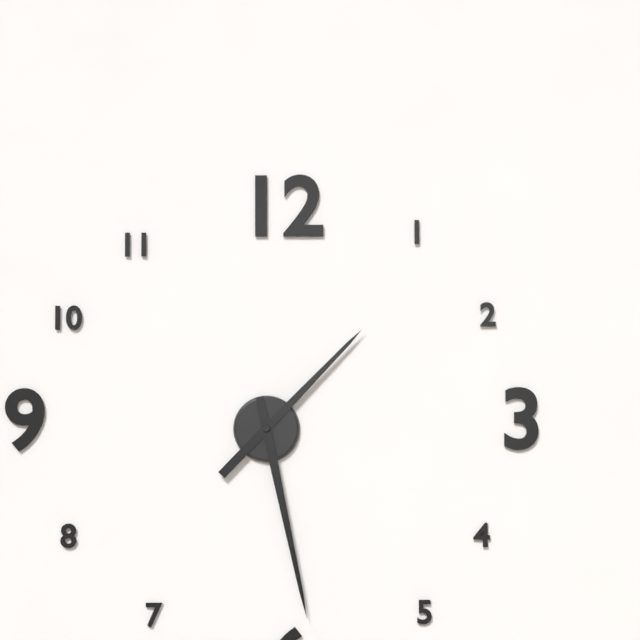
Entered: {"hour": 1, "minute": 28}
